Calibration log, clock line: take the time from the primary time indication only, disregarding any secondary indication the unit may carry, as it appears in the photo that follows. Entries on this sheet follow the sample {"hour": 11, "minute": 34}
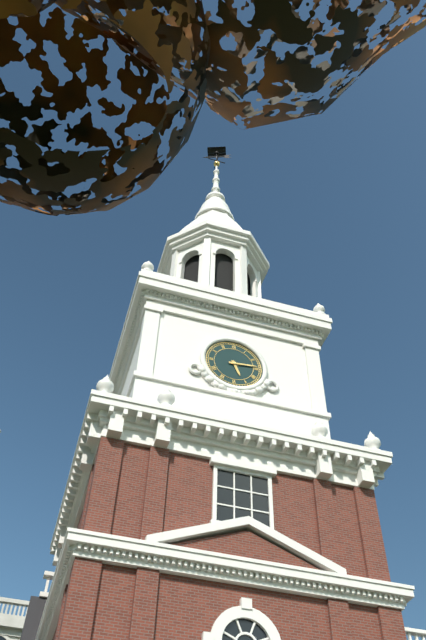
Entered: {"hour": 5, "minute": 14}
